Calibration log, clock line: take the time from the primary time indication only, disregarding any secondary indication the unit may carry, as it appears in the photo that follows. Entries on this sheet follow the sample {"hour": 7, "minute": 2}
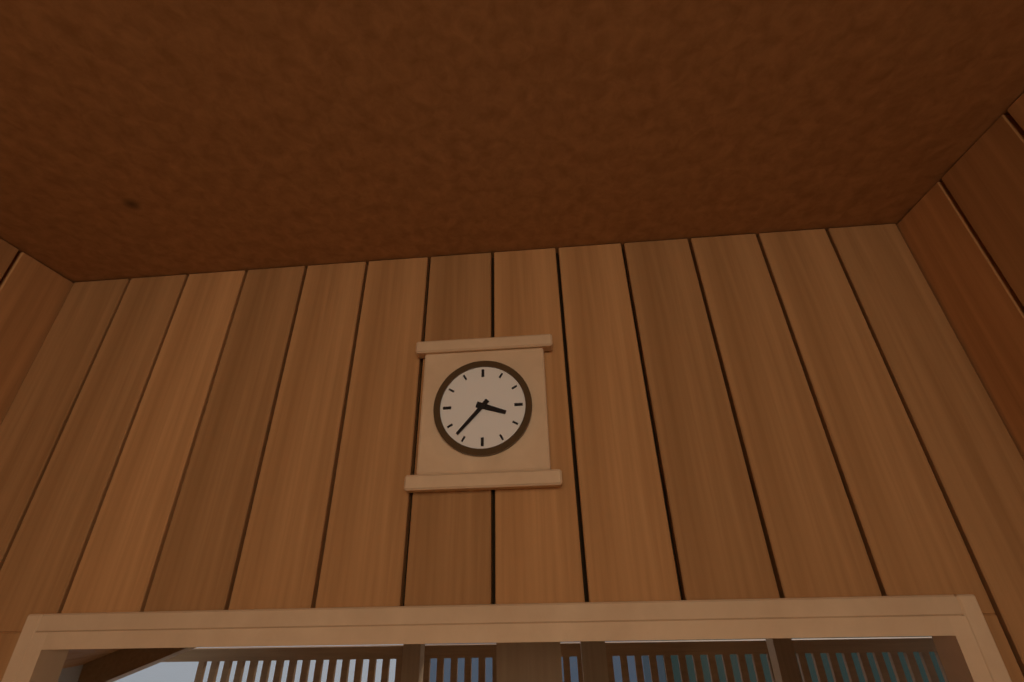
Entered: {"hour": 3, "minute": 37}
